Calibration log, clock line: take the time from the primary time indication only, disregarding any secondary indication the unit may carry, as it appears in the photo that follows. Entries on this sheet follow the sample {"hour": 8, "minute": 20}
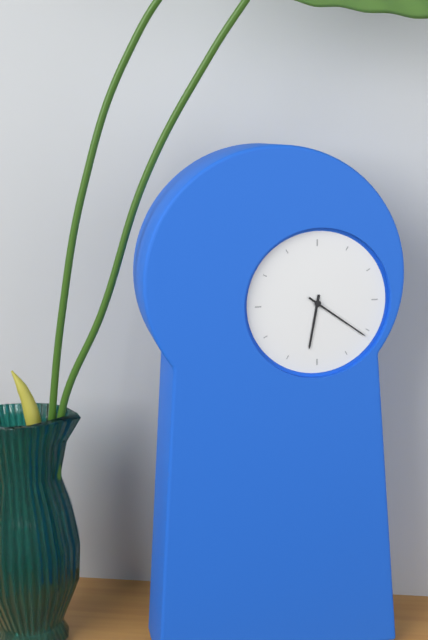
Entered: {"hour": 6, "minute": 21}
